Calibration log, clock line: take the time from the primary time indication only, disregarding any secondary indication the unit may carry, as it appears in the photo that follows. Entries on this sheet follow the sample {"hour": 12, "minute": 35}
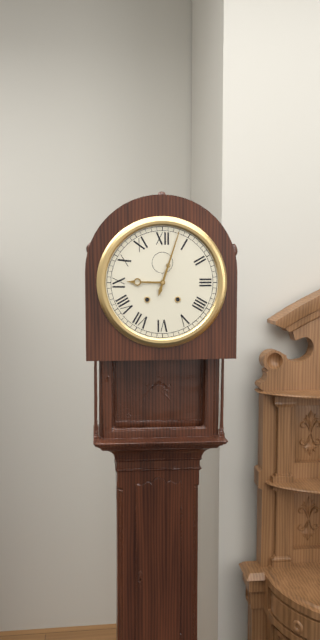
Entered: {"hour": 9, "minute": 3}
